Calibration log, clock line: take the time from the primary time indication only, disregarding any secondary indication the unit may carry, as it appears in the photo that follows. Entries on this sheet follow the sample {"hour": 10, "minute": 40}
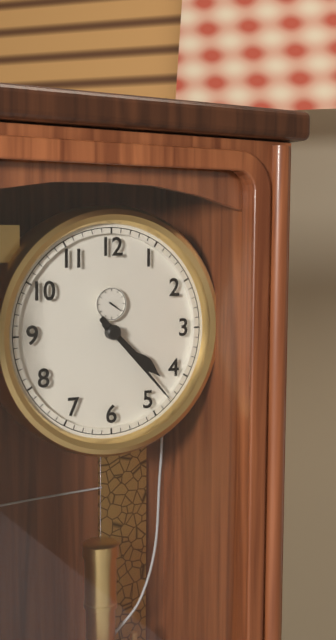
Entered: {"hour": 4, "minute": 23}
